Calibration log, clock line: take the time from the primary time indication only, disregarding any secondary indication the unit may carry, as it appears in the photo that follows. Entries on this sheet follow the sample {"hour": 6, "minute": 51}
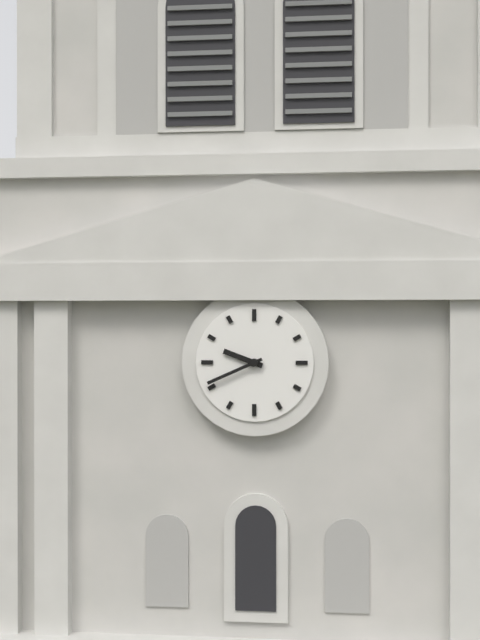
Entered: {"hour": 9, "minute": 41}
